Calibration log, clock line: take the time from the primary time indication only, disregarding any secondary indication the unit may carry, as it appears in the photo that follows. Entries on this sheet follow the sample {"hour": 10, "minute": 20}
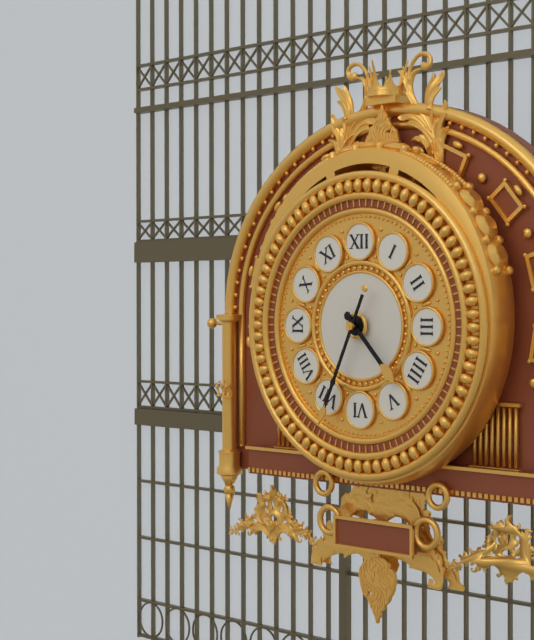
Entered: {"hour": 4, "minute": 34}
